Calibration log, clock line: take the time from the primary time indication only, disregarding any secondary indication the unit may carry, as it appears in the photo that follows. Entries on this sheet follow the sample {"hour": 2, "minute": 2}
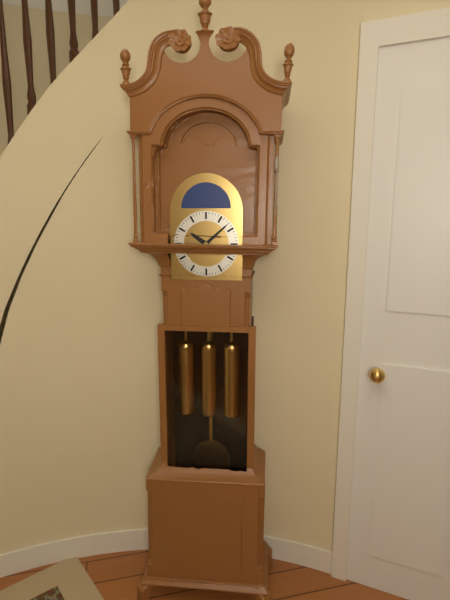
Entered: {"hour": 10, "minute": 8}
